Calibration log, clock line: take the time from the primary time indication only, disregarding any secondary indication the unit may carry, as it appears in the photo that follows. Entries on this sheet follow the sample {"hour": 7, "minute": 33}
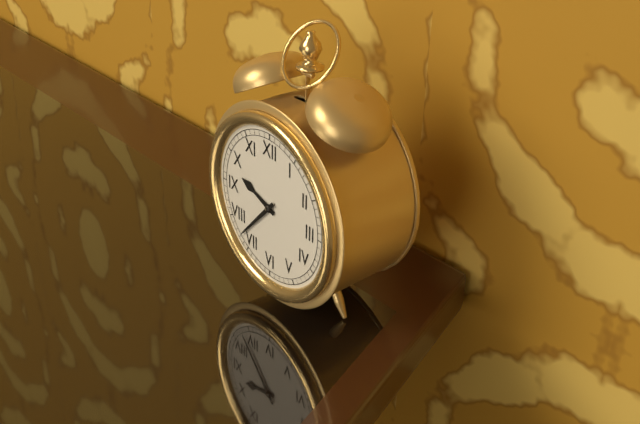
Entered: {"hour": 9, "minute": 37}
